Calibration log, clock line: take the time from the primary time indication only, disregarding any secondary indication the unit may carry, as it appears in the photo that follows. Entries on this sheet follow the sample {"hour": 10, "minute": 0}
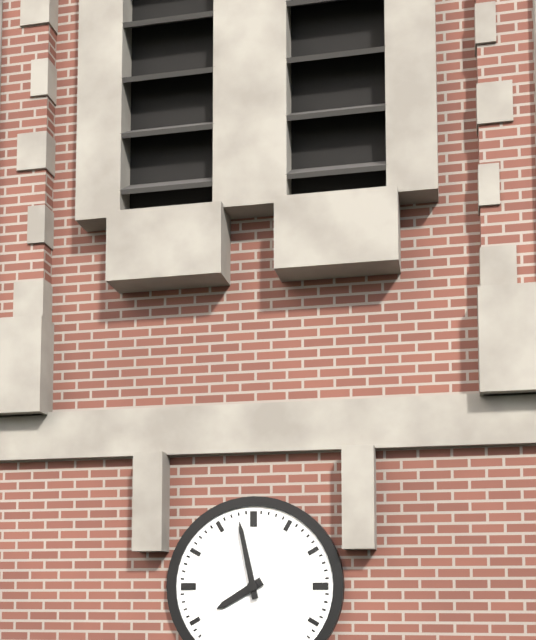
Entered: {"hour": 7, "minute": 58}
